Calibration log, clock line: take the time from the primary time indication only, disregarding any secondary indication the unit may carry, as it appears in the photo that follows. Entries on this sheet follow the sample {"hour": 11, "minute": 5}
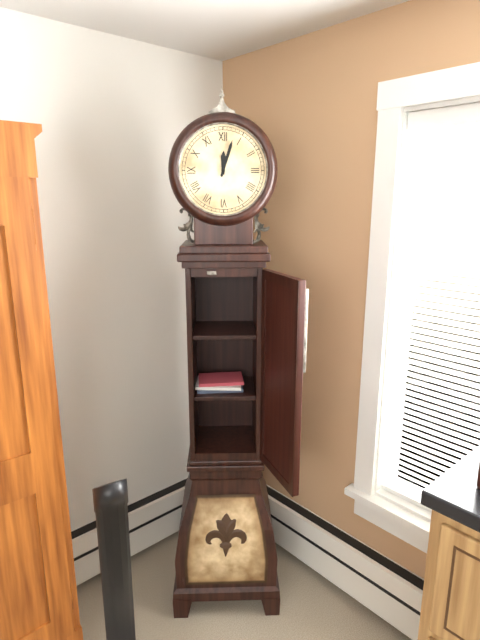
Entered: {"hour": 12, "minute": 3}
